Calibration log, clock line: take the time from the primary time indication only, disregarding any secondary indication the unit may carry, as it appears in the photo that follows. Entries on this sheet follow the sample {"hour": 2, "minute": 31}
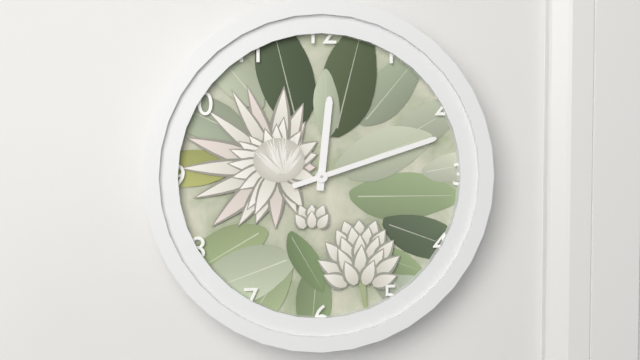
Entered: {"hour": 12, "minute": 12}
